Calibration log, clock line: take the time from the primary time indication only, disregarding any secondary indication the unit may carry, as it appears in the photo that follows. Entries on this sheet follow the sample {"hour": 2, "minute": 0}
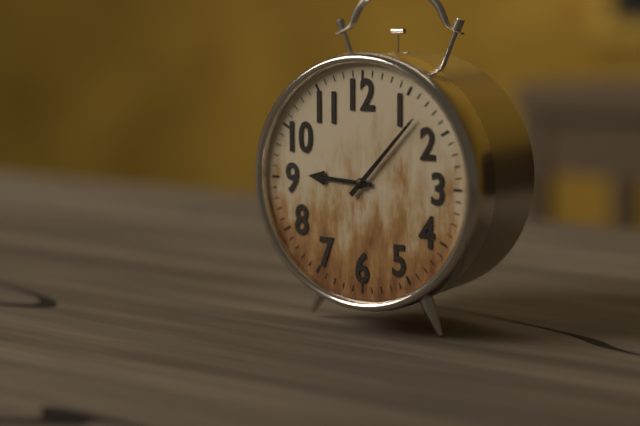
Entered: {"hour": 9, "minute": 7}
